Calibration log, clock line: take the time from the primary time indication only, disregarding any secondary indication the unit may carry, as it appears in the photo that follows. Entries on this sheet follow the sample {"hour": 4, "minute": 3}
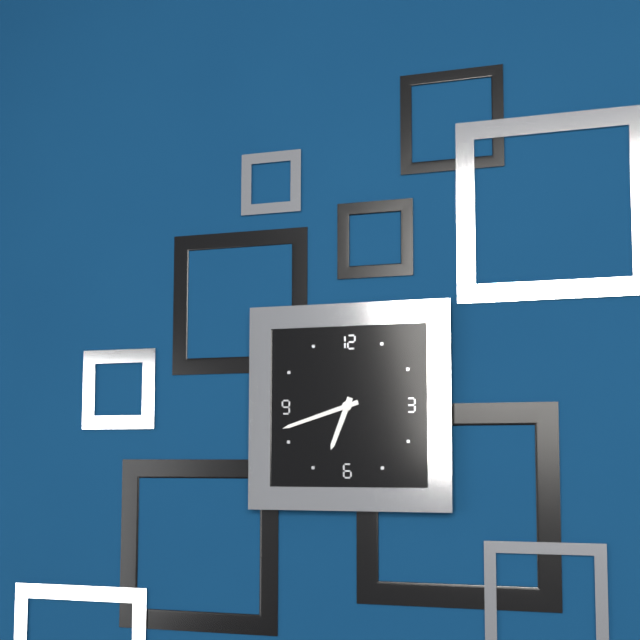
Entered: {"hour": 6, "minute": 42}
